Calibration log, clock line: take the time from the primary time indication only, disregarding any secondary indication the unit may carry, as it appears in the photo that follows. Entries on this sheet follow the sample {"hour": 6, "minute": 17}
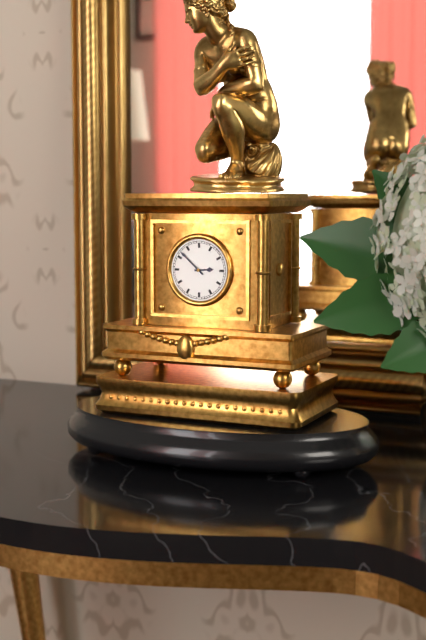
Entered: {"hour": 2, "minute": 52}
